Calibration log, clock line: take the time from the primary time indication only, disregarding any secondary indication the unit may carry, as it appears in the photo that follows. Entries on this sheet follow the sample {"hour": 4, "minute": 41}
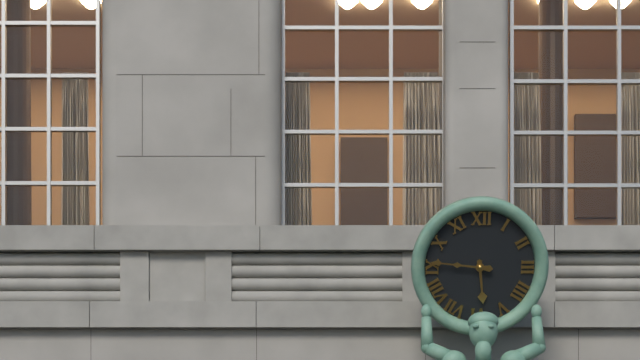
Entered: {"hour": 5, "minute": 46}
